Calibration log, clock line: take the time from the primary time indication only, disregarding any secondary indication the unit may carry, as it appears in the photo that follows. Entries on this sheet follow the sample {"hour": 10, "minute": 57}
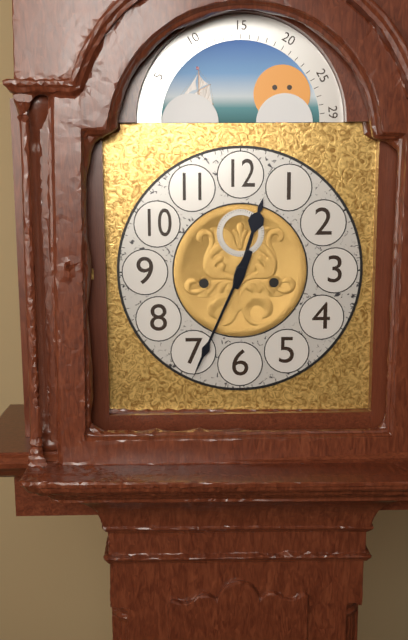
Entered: {"hour": 12, "minute": 34}
